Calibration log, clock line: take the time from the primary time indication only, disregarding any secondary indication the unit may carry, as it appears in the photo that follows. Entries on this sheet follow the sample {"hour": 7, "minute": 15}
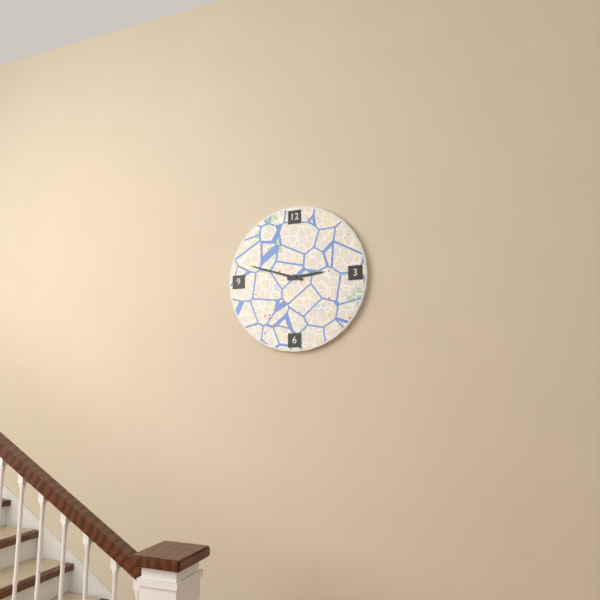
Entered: {"hour": 2, "minute": 48}
